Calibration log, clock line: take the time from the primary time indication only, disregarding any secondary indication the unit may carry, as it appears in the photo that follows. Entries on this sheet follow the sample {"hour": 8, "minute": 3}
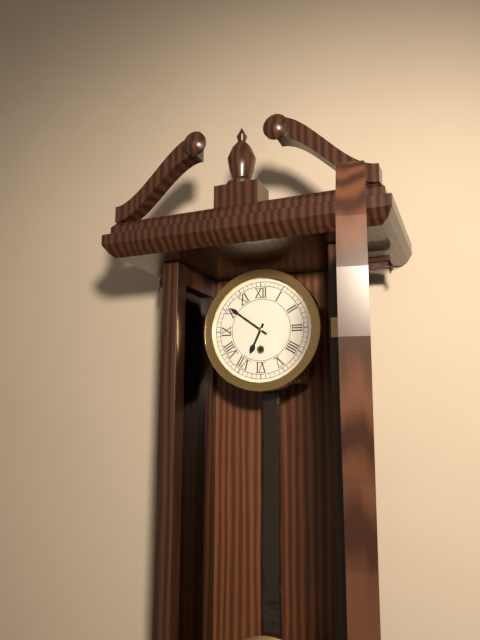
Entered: {"hour": 6, "minute": 51}
